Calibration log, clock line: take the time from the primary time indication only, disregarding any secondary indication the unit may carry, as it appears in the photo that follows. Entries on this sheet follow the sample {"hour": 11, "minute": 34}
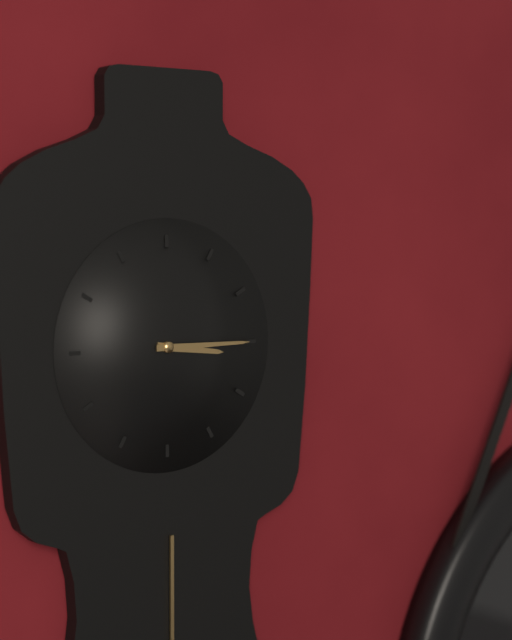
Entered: {"hour": 3, "minute": 15}
